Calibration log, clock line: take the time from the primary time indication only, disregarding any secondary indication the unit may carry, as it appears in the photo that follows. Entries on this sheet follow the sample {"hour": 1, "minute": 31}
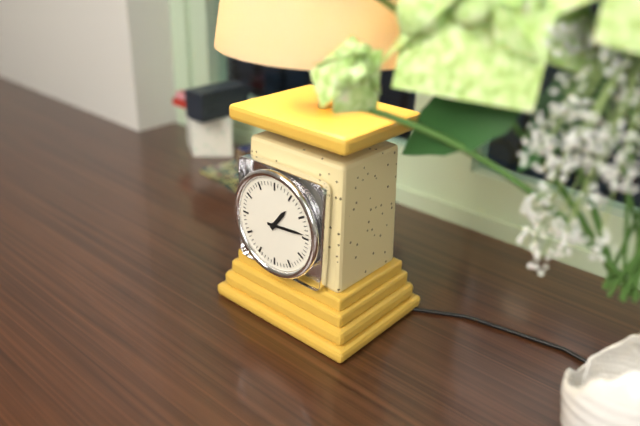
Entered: {"hour": 1, "minute": 14}
